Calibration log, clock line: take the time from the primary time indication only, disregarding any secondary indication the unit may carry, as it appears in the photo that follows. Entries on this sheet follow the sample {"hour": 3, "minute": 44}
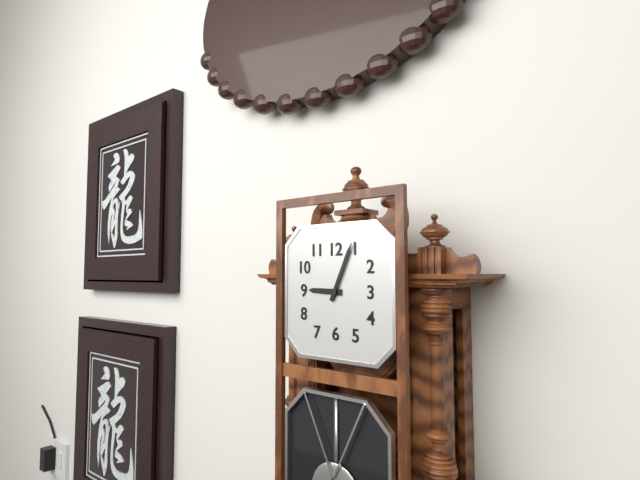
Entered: {"hour": 9, "minute": 4}
